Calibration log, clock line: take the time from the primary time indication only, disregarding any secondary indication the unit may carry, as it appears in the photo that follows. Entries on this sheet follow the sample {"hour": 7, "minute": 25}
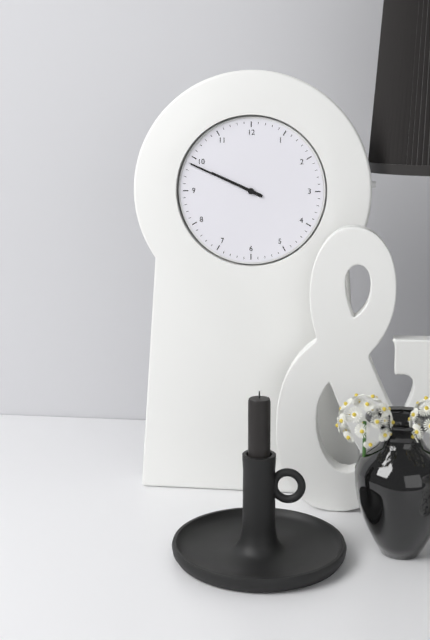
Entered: {"hour": 9, "minute": 49}
